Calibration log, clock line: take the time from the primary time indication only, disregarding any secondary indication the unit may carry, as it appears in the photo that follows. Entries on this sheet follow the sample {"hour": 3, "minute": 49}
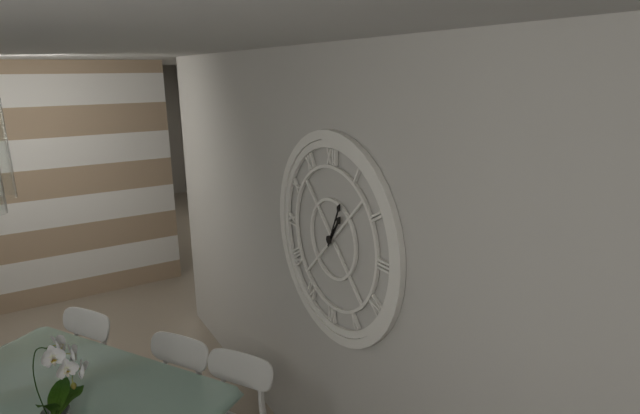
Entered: {"hour": 1, "minute": 4}
